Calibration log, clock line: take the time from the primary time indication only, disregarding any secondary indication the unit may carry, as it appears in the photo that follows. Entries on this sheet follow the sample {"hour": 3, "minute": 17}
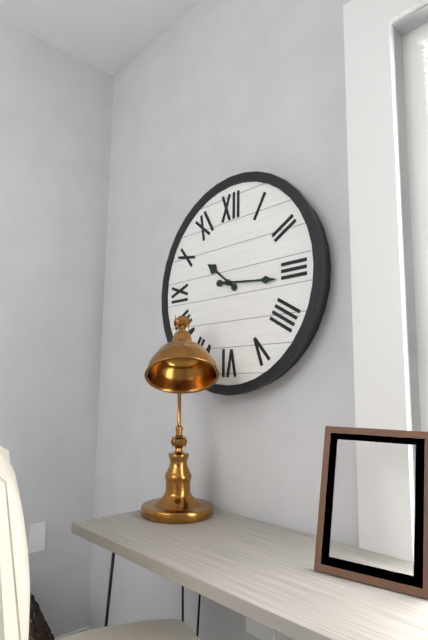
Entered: {"hour": 10, "minute": 16}
